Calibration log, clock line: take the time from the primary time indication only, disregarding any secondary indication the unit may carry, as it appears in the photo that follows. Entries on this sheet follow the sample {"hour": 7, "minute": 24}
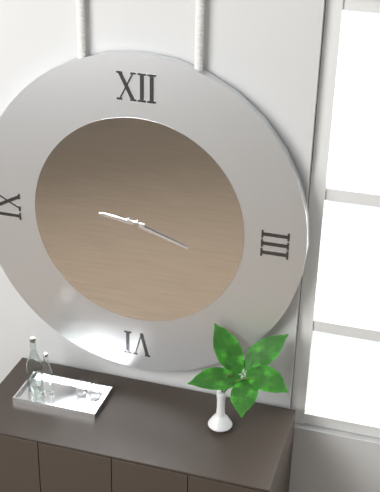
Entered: {"hour": 9, "minute": 18}
